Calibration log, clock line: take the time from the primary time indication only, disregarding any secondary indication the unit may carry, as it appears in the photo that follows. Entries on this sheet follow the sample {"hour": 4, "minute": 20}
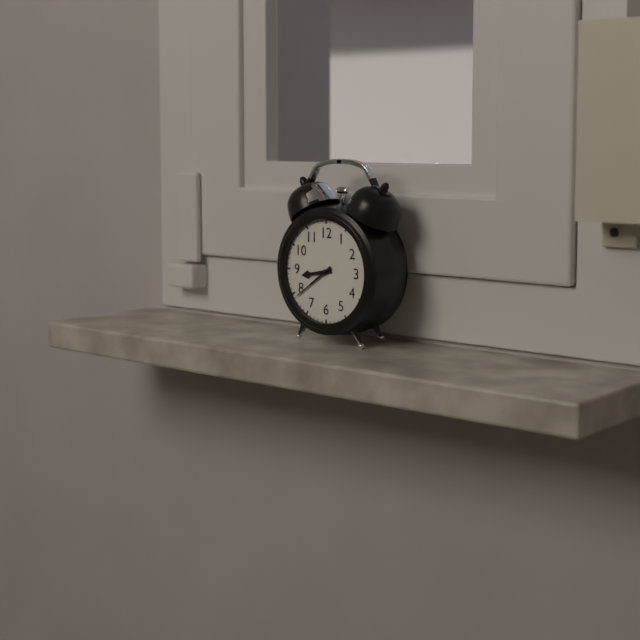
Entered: {"hour": 8, "minute": 39}
